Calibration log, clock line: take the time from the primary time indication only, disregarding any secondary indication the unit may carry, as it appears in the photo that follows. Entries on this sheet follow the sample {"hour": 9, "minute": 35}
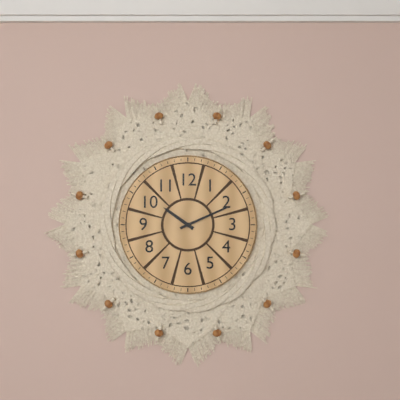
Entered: {"hour": 10, "minute": 11}
